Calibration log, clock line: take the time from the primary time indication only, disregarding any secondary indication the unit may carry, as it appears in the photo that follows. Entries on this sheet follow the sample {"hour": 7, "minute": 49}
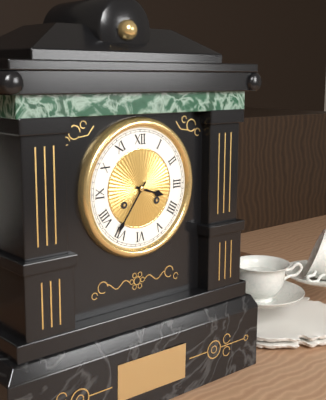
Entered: {"hour": 3, "minute": 36}
